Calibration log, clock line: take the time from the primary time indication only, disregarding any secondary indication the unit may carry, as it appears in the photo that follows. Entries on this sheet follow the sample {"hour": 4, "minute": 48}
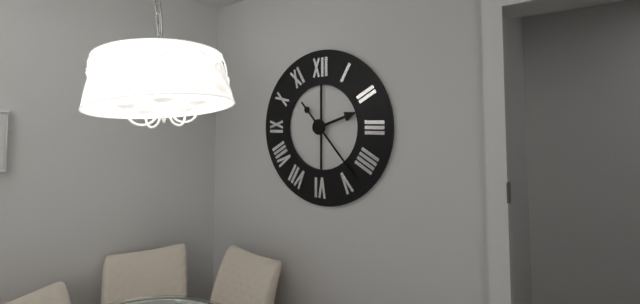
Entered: {"hour": 2, "minute": 23}
